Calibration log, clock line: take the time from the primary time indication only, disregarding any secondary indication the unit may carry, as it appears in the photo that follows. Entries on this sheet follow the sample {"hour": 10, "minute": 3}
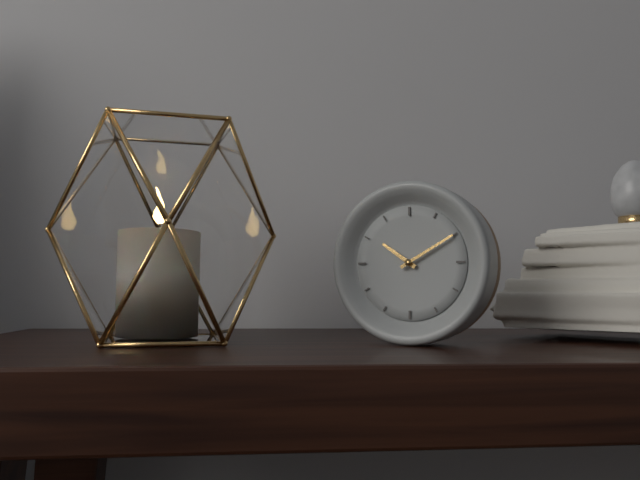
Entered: {"hour": 10, "minute": 10}
